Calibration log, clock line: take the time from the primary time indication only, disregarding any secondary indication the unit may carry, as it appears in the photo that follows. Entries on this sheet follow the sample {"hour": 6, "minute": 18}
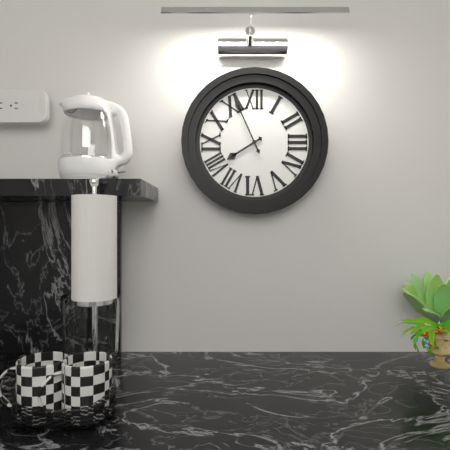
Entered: {"hour": 7, "minute": 56}
